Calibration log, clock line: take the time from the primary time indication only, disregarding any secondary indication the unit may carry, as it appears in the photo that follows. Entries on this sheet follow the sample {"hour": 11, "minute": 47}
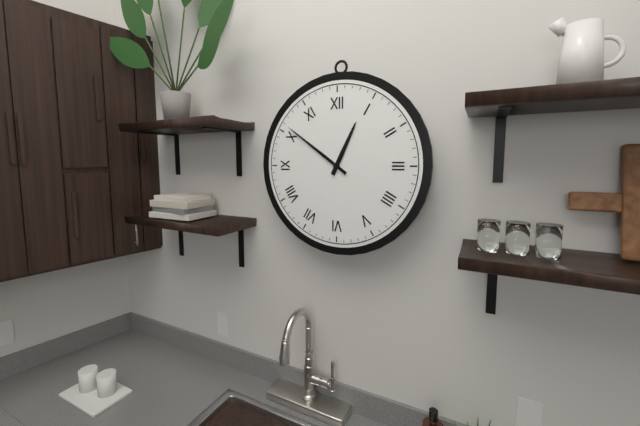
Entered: {"hour": 12, "minute": 51}
